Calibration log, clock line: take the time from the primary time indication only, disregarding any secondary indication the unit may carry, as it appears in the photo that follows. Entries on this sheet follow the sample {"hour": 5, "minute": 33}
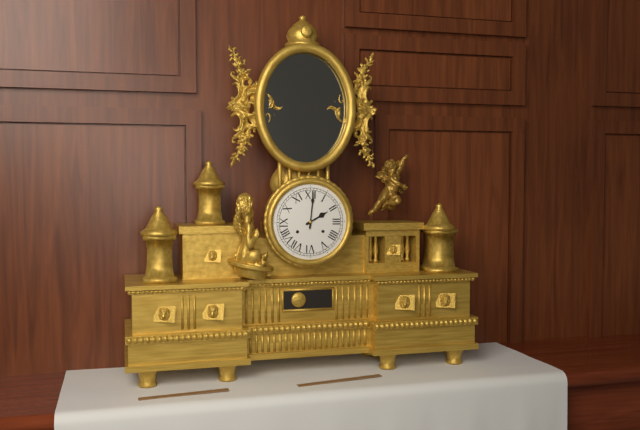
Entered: {"hour": 2, "minute": 1}
